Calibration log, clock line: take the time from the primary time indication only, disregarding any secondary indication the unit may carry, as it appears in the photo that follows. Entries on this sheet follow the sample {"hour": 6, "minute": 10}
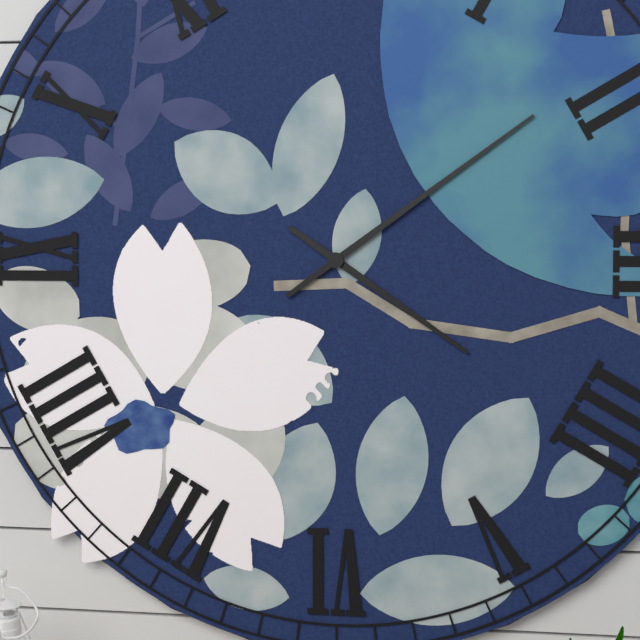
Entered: {"hour": 4, "minute": 9}
